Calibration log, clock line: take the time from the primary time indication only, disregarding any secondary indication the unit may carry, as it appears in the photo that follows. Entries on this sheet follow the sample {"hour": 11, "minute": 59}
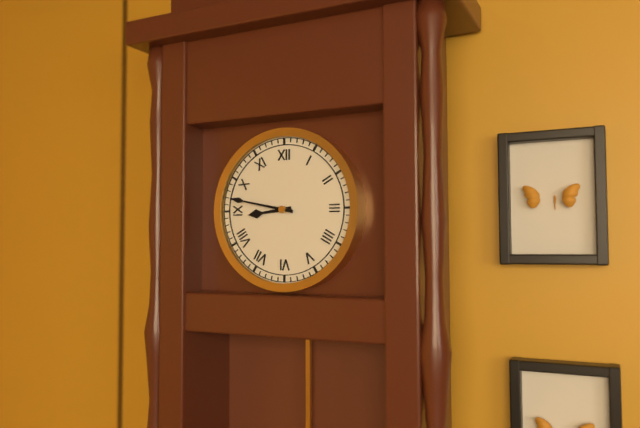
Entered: {"hour": 8, "minute": 47}
